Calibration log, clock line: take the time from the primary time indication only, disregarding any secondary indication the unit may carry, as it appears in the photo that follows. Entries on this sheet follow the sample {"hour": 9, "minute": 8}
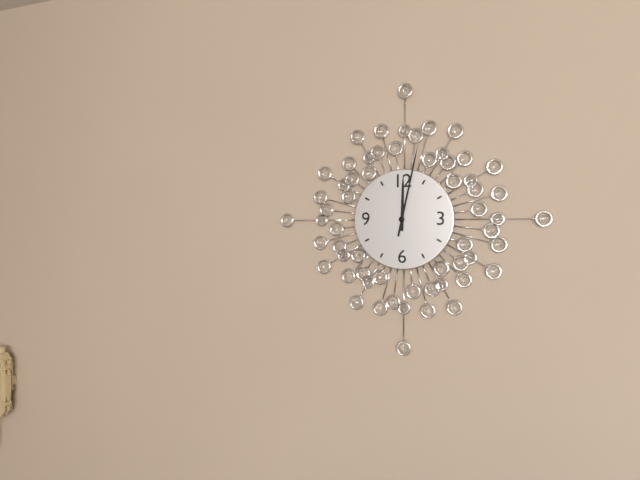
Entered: {"hour": 12, "minute": 2}
